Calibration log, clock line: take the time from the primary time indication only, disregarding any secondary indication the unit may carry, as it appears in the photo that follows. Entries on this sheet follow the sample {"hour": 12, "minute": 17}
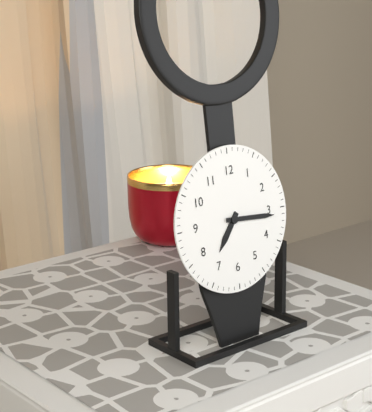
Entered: {"hour": 7, "minute": 16}
